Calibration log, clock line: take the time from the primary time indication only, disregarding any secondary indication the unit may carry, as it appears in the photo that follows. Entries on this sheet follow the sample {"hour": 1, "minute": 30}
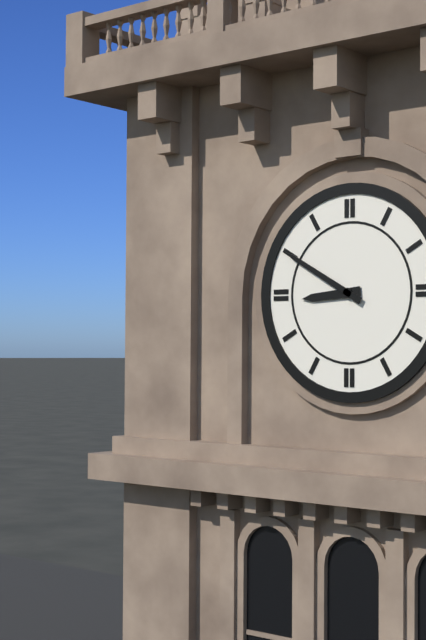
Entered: {"hour": 8, "minute": 50}
